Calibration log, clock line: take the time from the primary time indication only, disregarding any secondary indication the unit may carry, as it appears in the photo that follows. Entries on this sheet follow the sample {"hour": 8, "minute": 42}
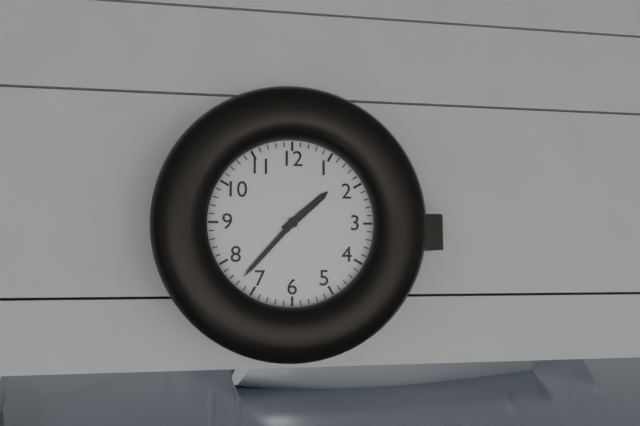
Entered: {"hour": 1, "minute": 37}
